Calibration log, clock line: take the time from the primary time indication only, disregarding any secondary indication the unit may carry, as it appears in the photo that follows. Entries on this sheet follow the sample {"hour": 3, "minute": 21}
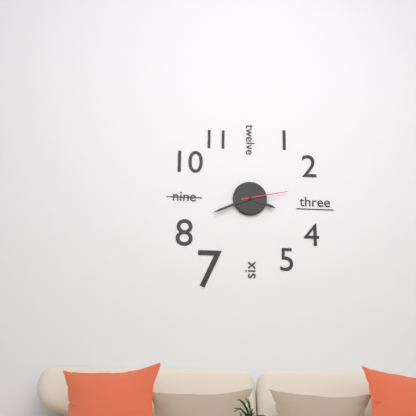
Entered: {"hour": 3, "minute": 41}
